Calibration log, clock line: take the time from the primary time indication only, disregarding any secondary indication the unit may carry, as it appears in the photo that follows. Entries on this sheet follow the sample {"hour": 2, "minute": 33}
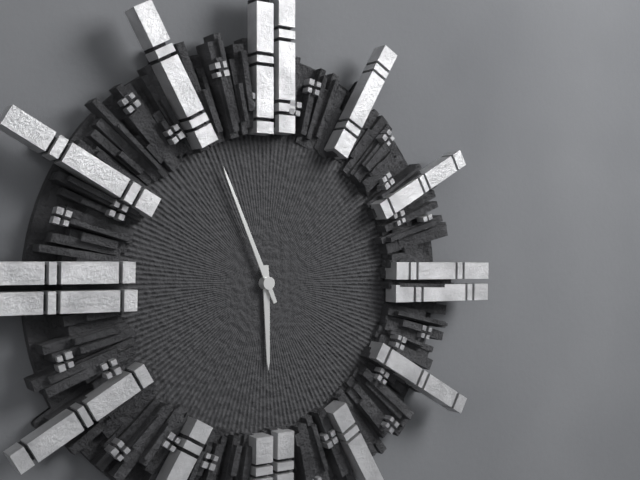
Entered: {"hour": 5, "minute": 56}
